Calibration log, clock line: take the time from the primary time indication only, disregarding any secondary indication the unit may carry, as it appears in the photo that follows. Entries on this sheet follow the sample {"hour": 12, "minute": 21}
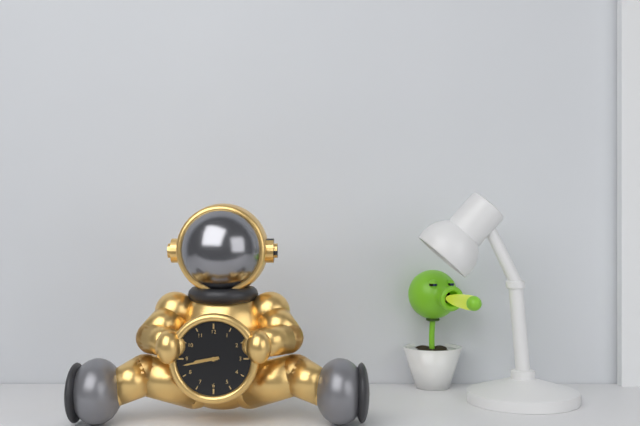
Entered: {"hour": 8, "minute": 43}
